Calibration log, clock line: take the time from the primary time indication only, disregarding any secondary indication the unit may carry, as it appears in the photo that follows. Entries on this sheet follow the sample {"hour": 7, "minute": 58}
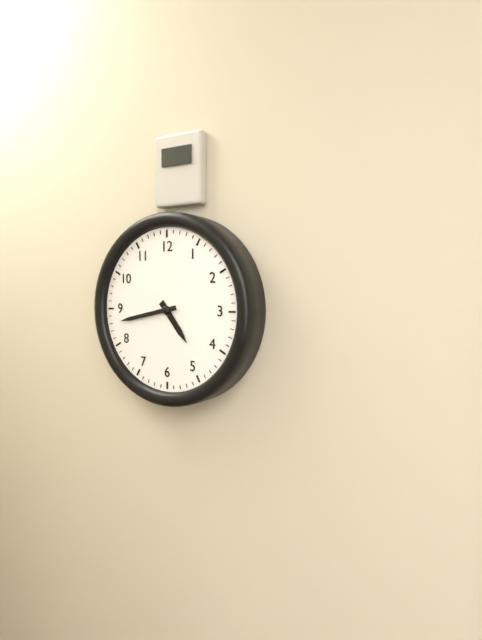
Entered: {"hour": 4, "minute": 43}
